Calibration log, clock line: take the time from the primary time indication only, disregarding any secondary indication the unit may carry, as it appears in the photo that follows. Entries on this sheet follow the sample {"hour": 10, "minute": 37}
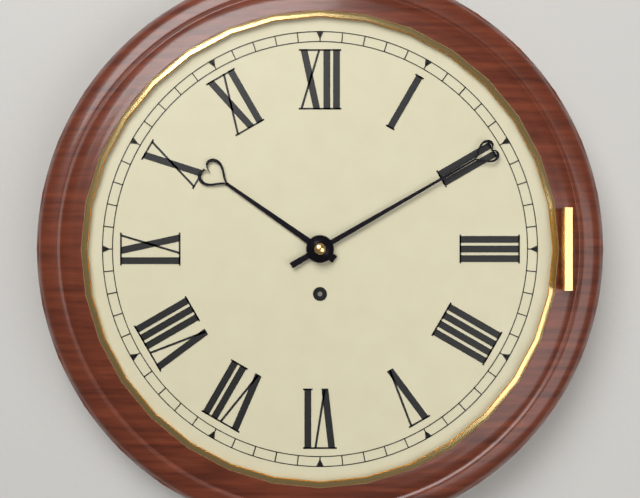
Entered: {"hour": 10, "minute": 10}
